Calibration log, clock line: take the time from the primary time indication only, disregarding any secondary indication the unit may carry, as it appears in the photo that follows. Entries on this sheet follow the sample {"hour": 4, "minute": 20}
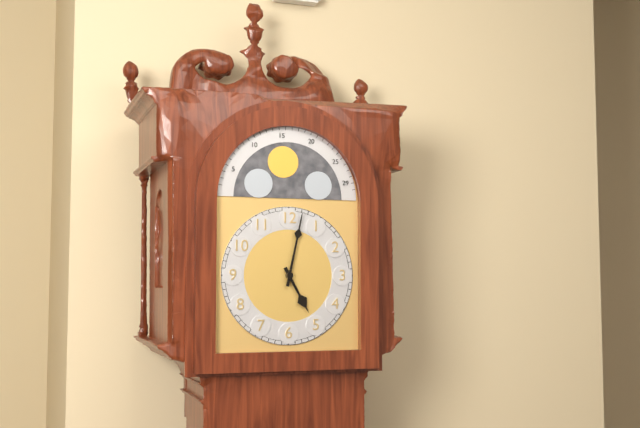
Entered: {"hour": 5, "minute": 2}
